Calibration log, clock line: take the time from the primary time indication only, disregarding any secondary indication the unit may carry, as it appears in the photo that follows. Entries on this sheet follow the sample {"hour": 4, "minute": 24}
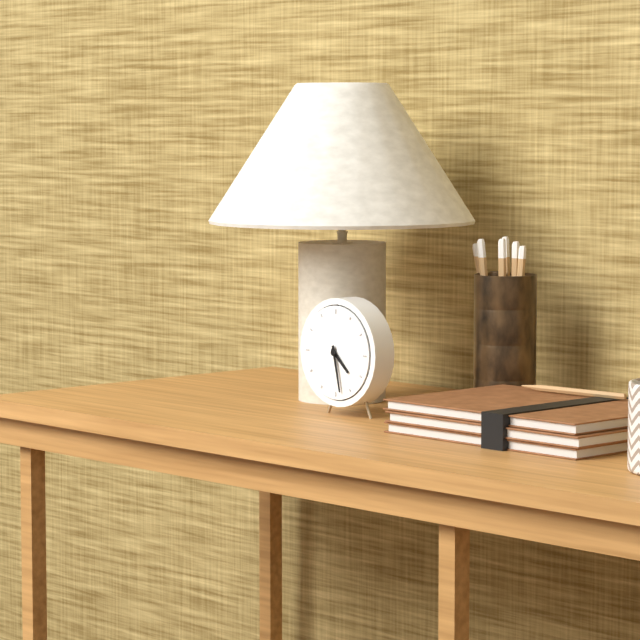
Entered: {"hour": 4, "minute": 28}
